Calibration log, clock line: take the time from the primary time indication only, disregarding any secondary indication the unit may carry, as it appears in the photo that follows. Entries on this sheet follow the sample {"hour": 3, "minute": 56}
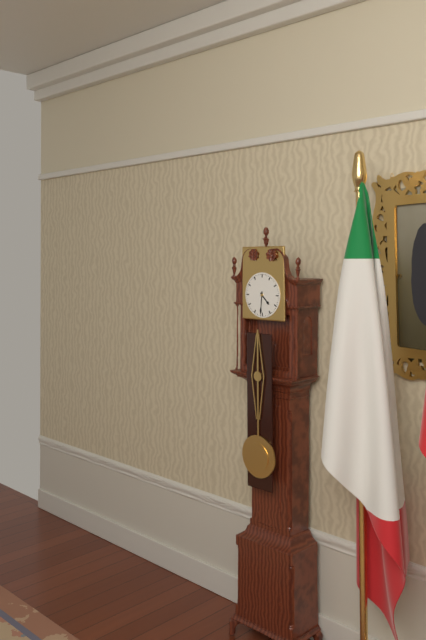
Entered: {"hour": 4, "minute": 31}
